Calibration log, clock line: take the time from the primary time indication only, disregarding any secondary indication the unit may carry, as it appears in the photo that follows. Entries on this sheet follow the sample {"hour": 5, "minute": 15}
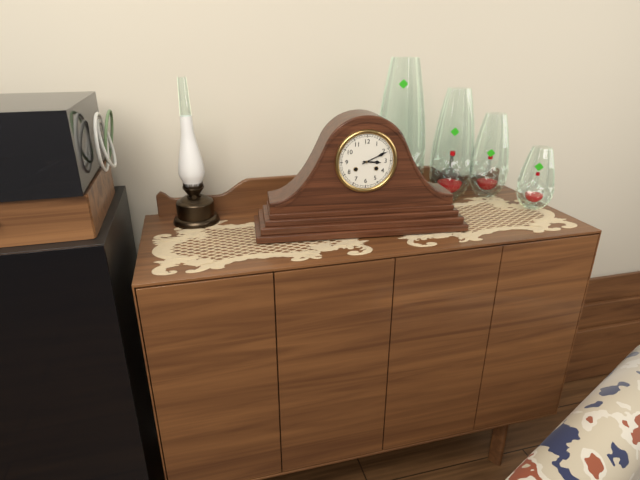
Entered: {"hour": 3, "minute": 11}
